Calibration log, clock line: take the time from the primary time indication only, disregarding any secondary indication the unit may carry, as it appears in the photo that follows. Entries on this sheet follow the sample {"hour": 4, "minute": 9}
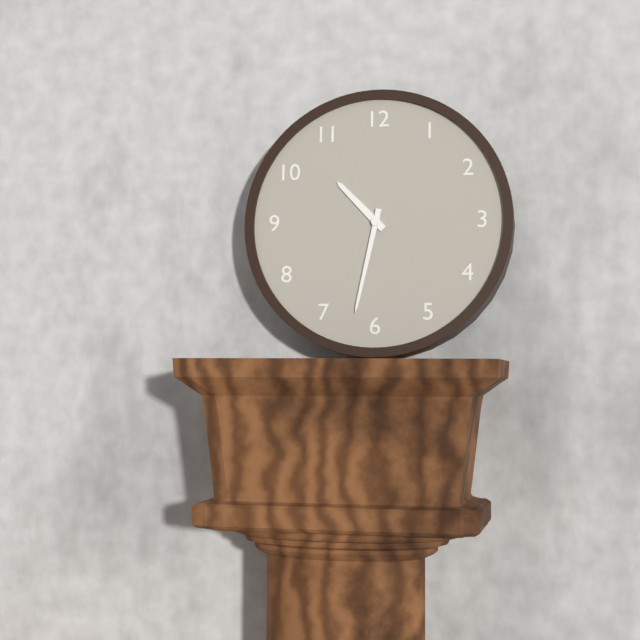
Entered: {"hour": 10, "minute": 32}
